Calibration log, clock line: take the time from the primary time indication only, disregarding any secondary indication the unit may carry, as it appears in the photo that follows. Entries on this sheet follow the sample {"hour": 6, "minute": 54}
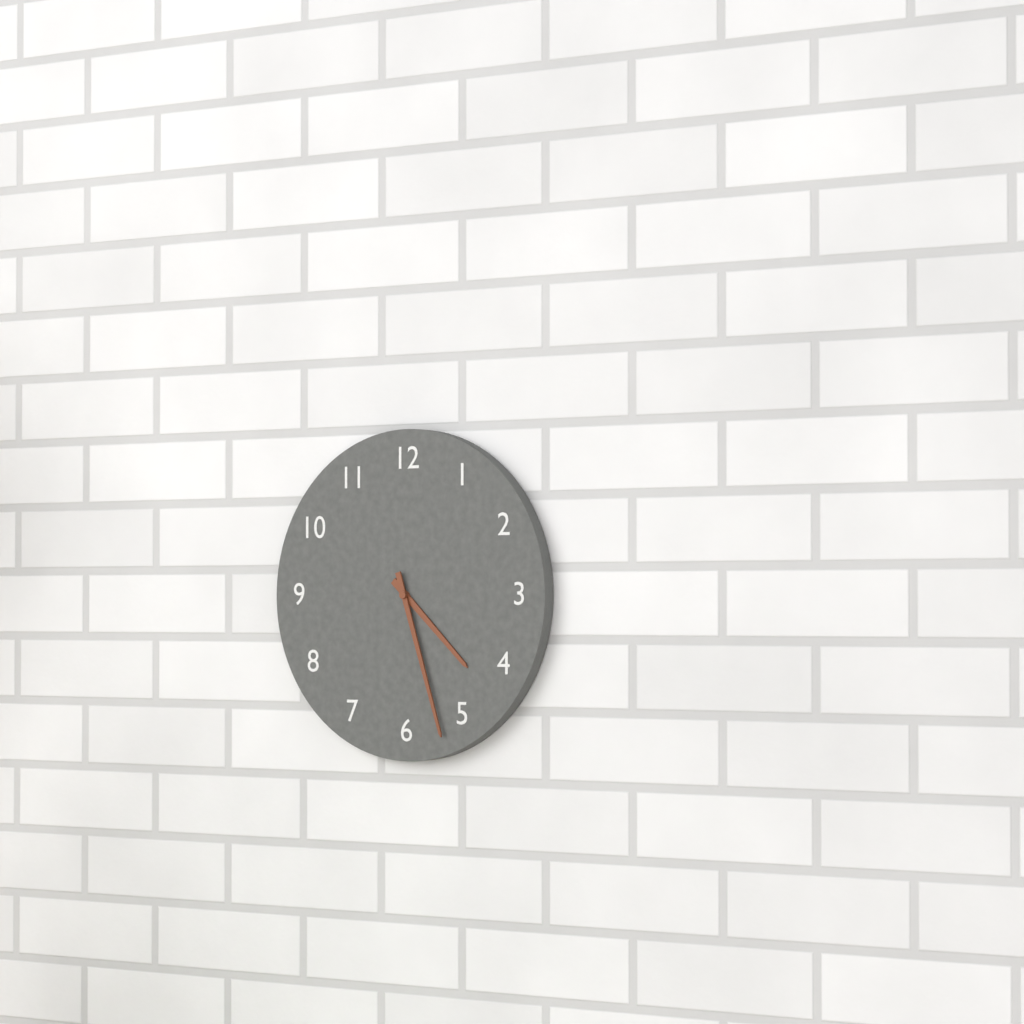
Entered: {"hour": 4, "minute": 27}
